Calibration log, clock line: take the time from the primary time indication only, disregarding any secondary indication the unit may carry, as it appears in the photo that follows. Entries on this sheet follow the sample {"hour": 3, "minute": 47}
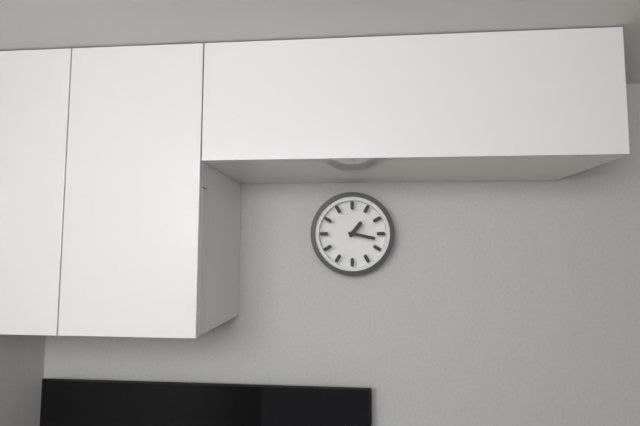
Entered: {"hour": 1, "minute": 17}
